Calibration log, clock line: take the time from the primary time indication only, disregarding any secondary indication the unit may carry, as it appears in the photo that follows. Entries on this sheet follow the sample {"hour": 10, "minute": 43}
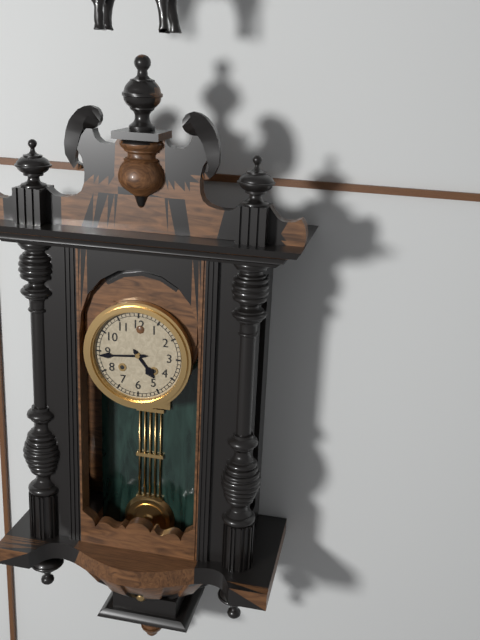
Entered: {"hour": 4, "minute": 44}
